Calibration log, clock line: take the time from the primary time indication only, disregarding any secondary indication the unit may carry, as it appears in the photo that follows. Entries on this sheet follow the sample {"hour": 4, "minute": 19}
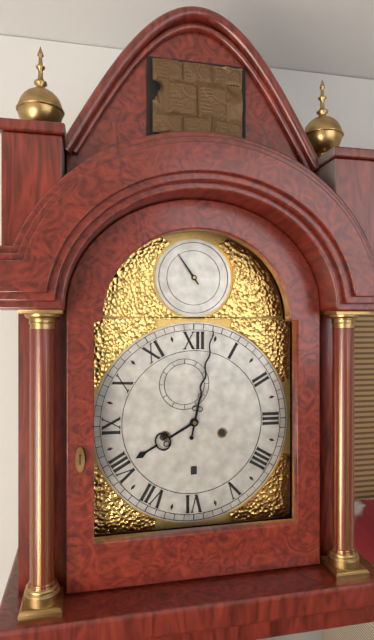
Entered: {"hour": 8, "minute": 2}
